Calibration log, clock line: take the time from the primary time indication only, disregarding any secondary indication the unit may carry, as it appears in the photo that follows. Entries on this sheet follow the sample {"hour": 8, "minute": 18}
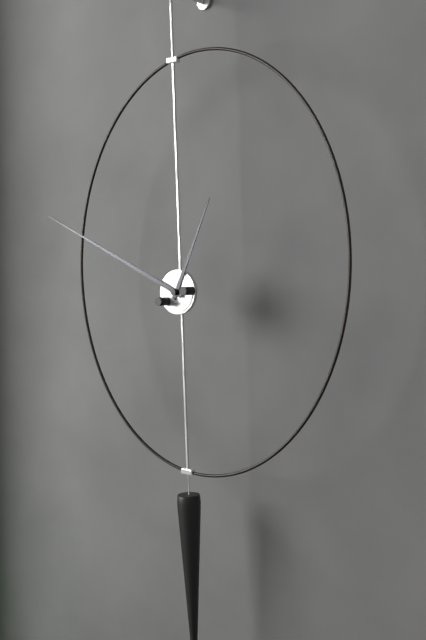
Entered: {"hour": 12, "minute": 49}
